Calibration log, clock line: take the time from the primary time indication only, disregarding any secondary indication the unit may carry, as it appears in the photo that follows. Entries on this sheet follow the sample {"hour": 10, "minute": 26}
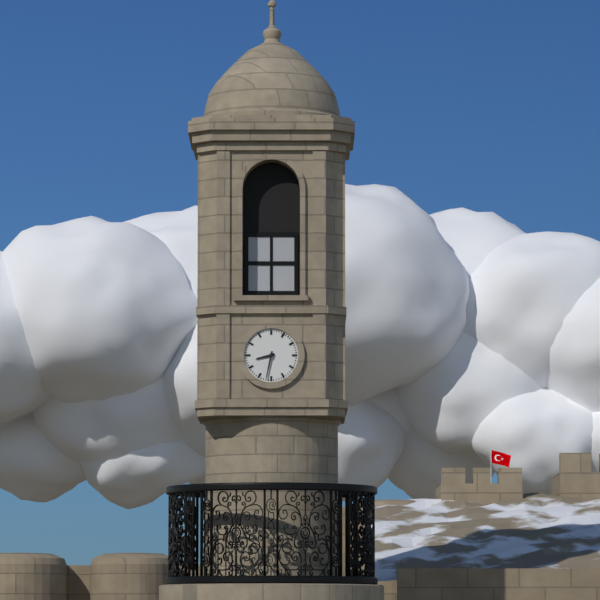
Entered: {"hour": 8, "minute": 32}
